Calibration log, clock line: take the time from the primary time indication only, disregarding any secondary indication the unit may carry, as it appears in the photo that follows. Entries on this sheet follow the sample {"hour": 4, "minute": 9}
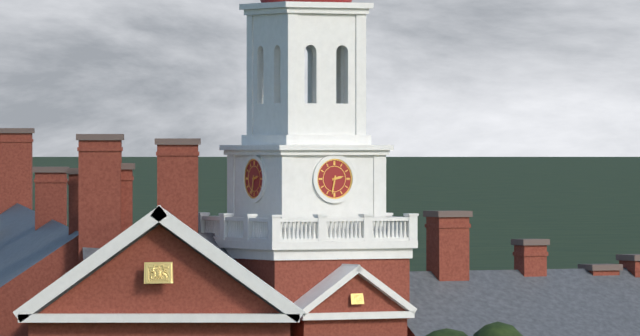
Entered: {"hour": 2, "minute": 32}
